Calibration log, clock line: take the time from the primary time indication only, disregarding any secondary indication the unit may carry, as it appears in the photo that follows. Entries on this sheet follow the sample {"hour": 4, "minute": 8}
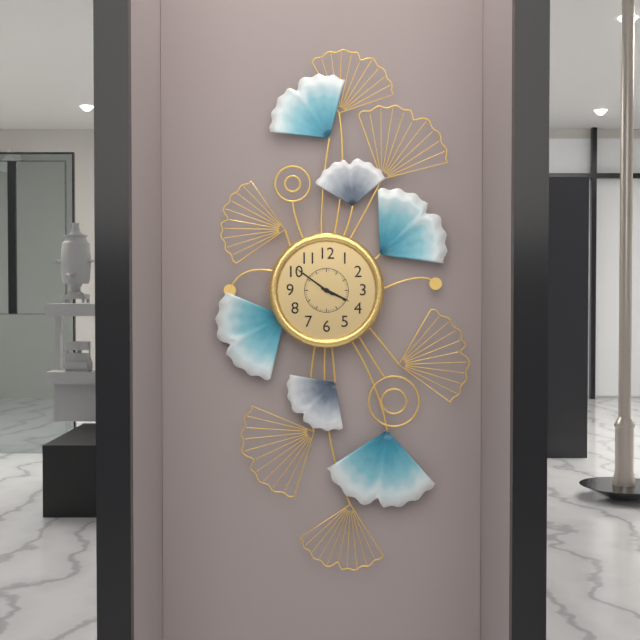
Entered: {"hour": 3, "minute": 51}
